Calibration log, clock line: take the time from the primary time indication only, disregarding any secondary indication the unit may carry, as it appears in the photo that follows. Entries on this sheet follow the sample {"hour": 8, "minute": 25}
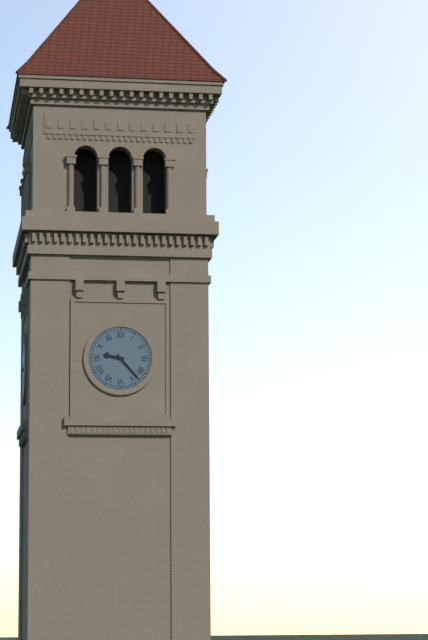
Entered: {"hour": 9, "minute": 23}
